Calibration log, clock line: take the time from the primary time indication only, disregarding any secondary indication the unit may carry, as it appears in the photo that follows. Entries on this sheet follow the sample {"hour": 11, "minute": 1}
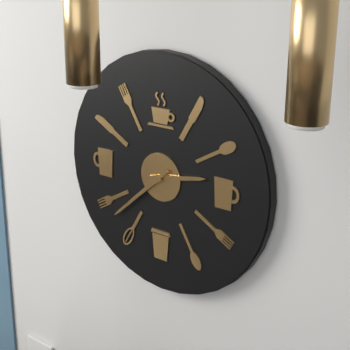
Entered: {"hour": 2, "minute": 38}
